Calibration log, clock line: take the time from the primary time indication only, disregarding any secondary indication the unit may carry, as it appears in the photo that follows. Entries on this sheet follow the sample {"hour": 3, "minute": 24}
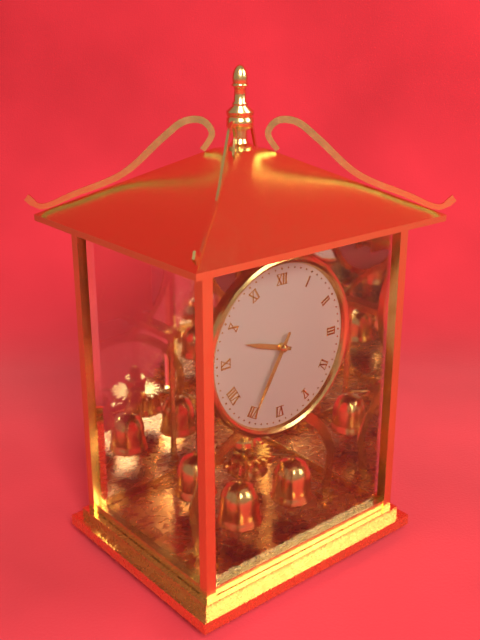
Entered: {"hour": 9, "minute": 35}
